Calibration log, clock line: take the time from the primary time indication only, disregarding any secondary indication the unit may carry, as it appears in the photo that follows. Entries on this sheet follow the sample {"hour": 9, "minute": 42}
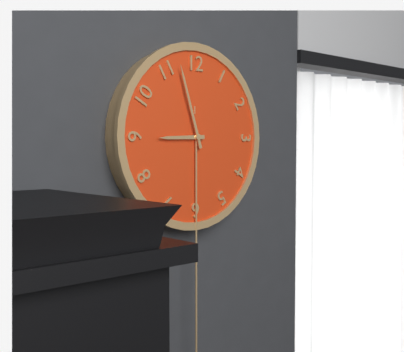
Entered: {"hour": 8, "minute": 57}
